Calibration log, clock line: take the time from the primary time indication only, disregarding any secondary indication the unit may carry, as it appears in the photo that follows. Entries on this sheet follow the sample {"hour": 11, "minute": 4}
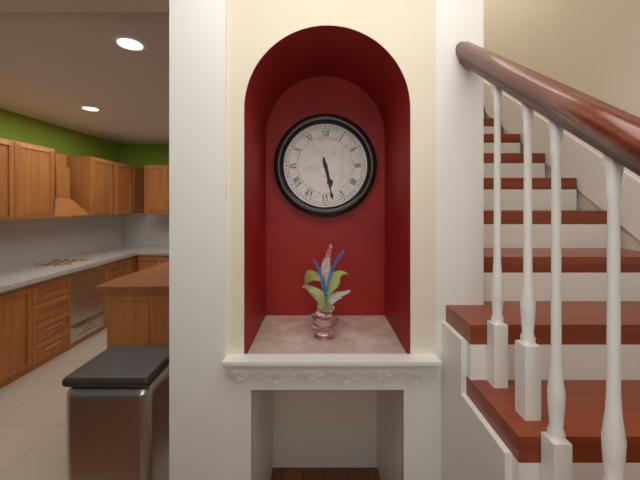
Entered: {"hour": 5, "minute": 28}
